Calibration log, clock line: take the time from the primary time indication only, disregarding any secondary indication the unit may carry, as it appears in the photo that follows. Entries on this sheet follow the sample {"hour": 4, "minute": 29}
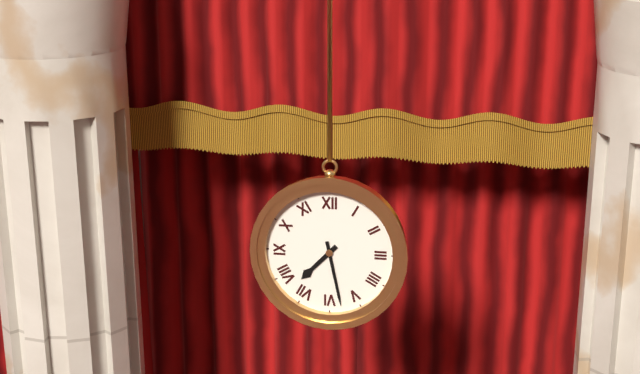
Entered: {"hour": 7, "minute": 28}
